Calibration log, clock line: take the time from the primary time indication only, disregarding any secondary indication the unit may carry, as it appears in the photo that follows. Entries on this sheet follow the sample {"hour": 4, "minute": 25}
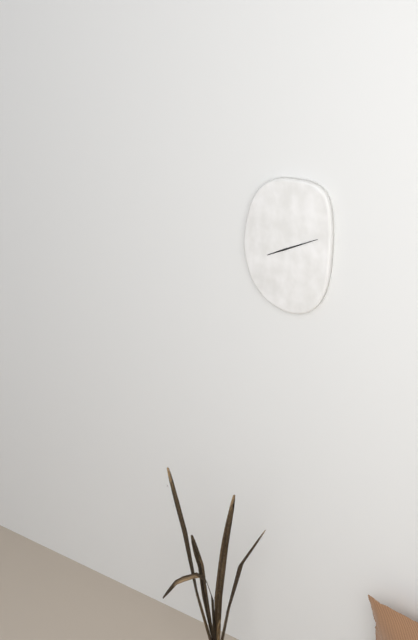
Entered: {"hour": 8, "minute": 11}
